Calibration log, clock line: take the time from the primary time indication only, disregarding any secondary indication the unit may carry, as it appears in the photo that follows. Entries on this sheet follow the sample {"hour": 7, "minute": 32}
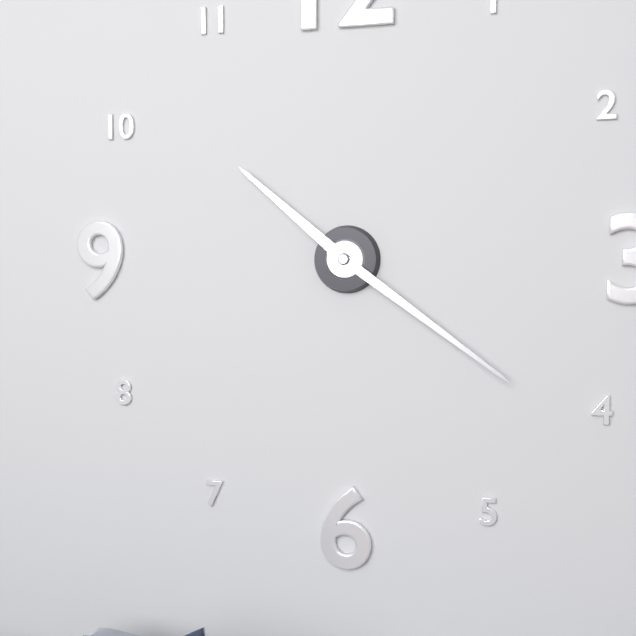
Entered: {"hour": 10, "minute": 21}
